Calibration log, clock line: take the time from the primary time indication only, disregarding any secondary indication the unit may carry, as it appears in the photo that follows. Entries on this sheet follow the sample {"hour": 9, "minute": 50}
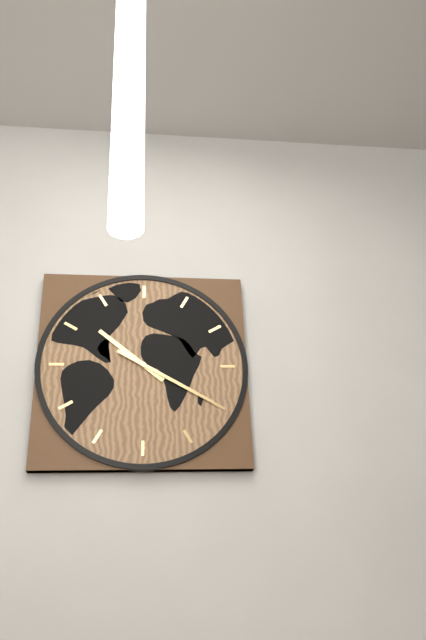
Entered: {"hour": 10, "minute": 20}
